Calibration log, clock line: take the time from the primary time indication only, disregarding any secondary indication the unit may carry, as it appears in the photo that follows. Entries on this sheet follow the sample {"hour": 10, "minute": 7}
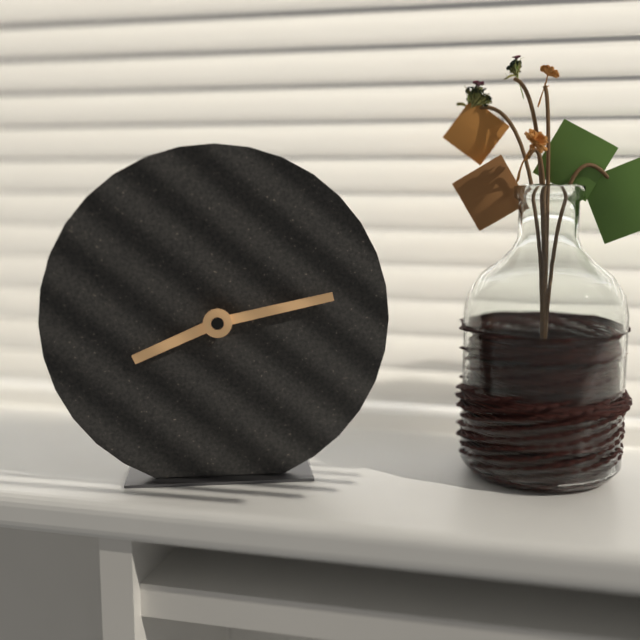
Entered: {"hour": 8, "minute": 13}
